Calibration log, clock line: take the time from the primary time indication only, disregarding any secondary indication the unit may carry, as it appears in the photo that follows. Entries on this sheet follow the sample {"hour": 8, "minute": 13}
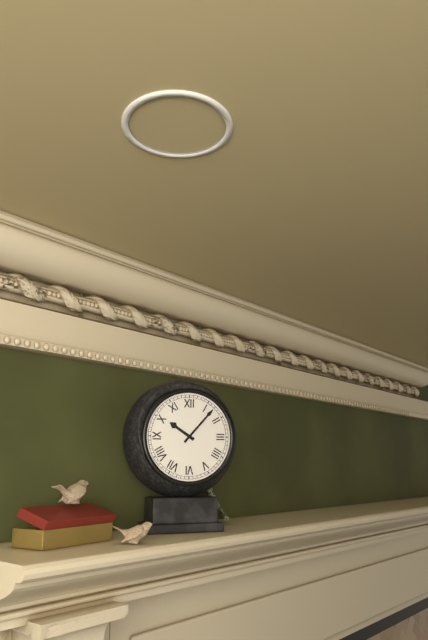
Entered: {"hour": 10, "minute": 7}
